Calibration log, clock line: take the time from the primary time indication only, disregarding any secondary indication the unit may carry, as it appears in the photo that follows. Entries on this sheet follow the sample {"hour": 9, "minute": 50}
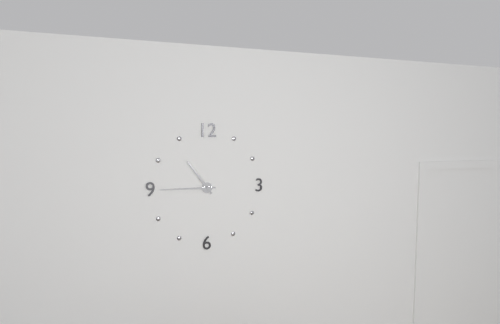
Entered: {"hour": 10, "minute": 45}
